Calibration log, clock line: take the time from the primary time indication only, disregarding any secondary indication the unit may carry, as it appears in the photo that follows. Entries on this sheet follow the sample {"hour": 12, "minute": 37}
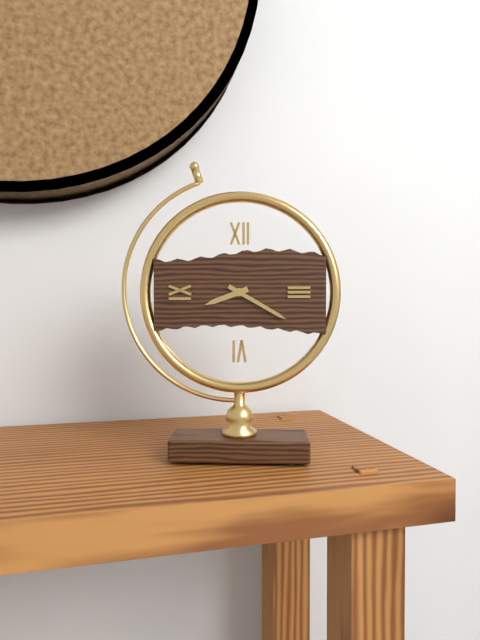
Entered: {"hour": 8, "minute": 20}
